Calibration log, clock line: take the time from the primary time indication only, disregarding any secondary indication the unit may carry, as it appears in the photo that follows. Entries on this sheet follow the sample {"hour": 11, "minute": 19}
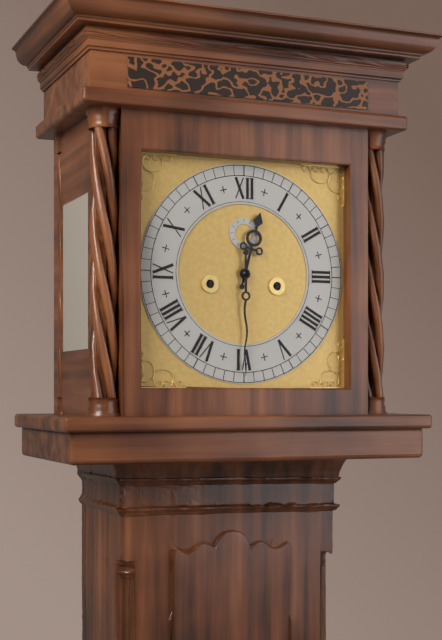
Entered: {"hour": 12, "minute": 30}
